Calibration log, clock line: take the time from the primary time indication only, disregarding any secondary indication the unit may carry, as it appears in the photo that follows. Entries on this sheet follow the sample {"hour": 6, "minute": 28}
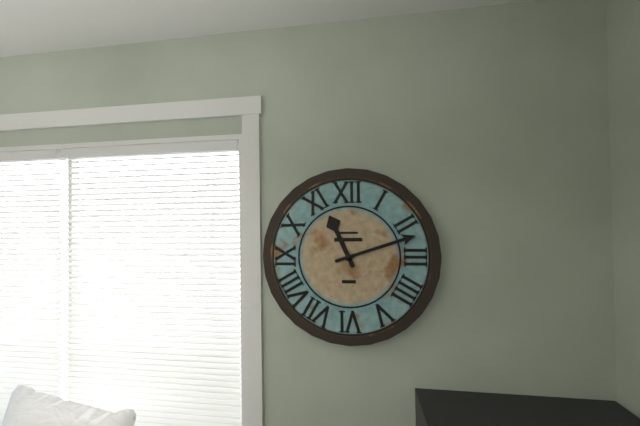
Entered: {"hour": 11, "minute": 12}
